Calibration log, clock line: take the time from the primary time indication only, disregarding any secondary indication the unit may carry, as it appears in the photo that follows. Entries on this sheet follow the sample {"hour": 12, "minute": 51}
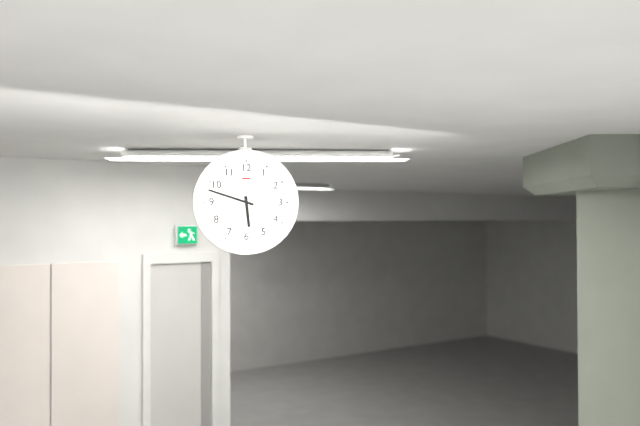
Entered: {"hour": 5, "minute": 48}
